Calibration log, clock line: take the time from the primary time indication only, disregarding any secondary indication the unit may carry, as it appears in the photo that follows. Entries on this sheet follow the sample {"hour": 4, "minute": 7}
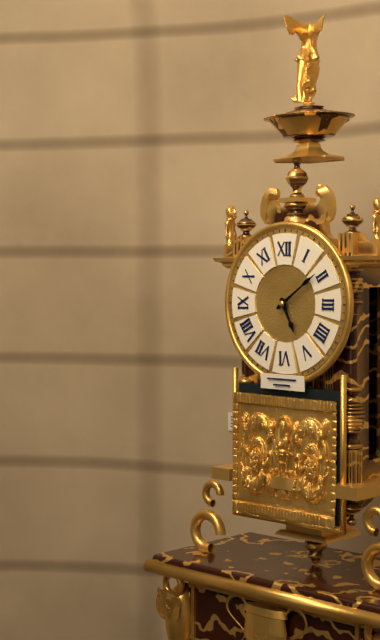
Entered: {"hour": 5, "minute": 9}
